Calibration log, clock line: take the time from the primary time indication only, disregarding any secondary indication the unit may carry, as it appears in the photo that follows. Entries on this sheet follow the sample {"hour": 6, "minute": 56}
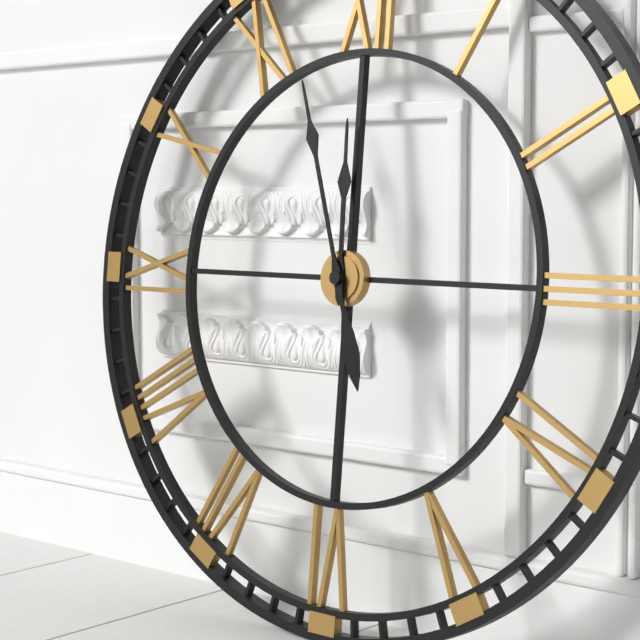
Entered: {"hour": 11, "minute": 57}
